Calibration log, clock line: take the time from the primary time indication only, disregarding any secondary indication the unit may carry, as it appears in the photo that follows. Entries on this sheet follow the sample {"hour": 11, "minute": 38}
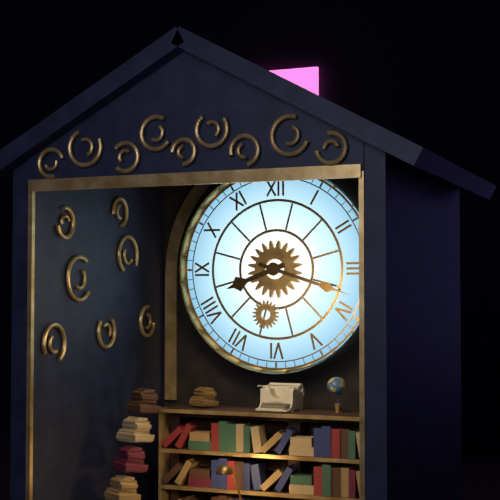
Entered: {"hour": 8, "minute": 18}
